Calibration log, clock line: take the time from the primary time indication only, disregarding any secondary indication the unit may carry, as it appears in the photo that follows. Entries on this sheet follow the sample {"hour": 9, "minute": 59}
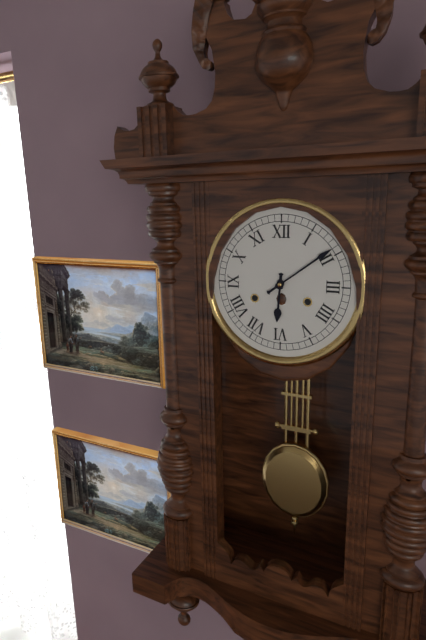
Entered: {"hour": 6, "minute": 9}
